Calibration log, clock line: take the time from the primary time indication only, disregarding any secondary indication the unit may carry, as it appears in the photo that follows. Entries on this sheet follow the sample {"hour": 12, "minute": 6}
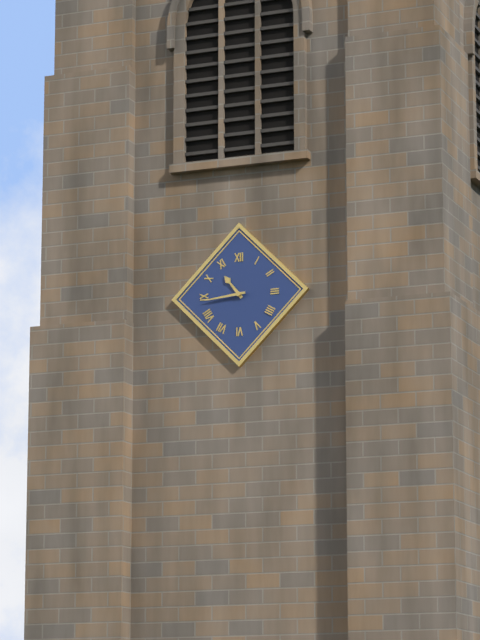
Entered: {"hour": 10, "minute": 44}
